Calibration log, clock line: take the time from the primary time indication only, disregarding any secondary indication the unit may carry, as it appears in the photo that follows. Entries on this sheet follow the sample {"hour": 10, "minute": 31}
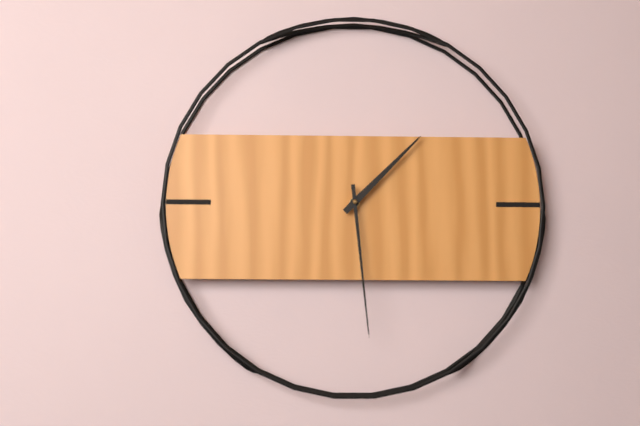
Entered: {"hour": 1, "minute": 29}
